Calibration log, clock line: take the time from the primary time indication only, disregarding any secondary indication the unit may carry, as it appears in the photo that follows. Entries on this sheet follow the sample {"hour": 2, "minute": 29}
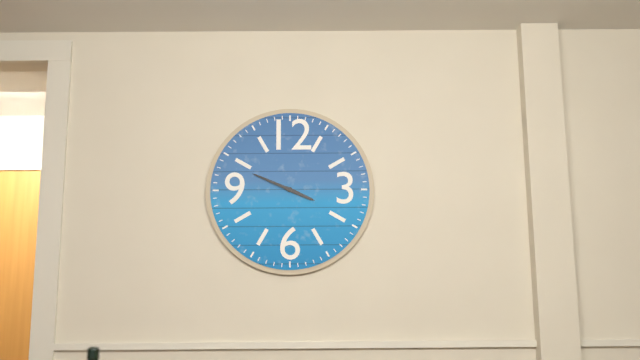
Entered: {"hour": 3, "minute": 49}
